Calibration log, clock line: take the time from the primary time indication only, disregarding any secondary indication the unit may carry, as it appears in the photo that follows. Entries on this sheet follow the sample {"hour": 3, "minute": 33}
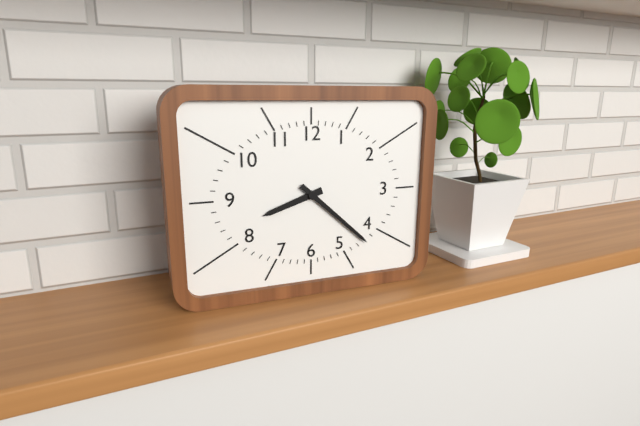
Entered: {"hour": 8, "minute": 22}
